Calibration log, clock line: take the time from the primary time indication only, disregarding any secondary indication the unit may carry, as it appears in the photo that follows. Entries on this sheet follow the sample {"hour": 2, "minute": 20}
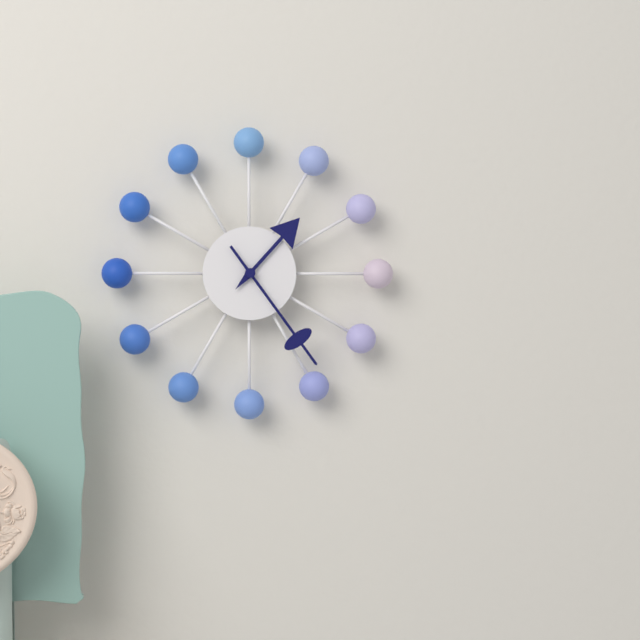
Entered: {"hour": 1, "minute": 24}
